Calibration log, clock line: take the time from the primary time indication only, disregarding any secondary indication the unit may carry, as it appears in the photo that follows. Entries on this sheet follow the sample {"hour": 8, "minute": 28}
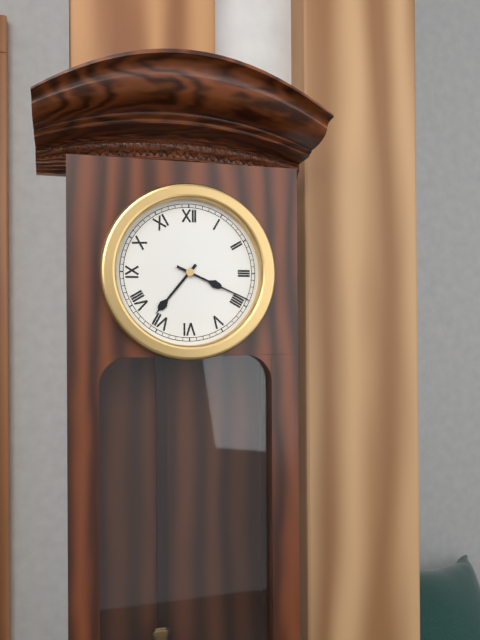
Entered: {"hour": 7, "minute": 19}
